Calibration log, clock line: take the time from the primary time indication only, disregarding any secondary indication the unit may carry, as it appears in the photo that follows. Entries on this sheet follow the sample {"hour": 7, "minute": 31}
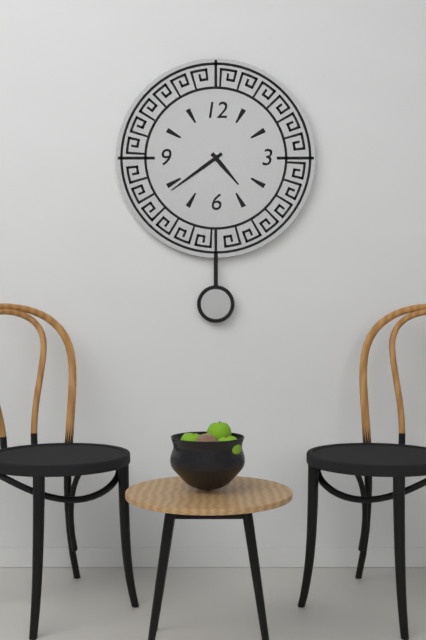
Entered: {"hour": 4, "minute": 39}
